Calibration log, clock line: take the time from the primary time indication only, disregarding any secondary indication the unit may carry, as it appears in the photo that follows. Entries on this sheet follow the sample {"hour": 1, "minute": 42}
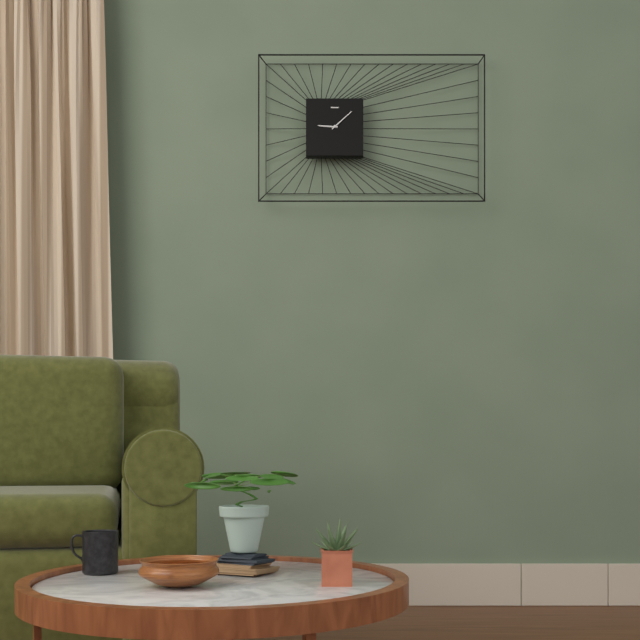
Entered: {"hour": 9, "minute": 8}
